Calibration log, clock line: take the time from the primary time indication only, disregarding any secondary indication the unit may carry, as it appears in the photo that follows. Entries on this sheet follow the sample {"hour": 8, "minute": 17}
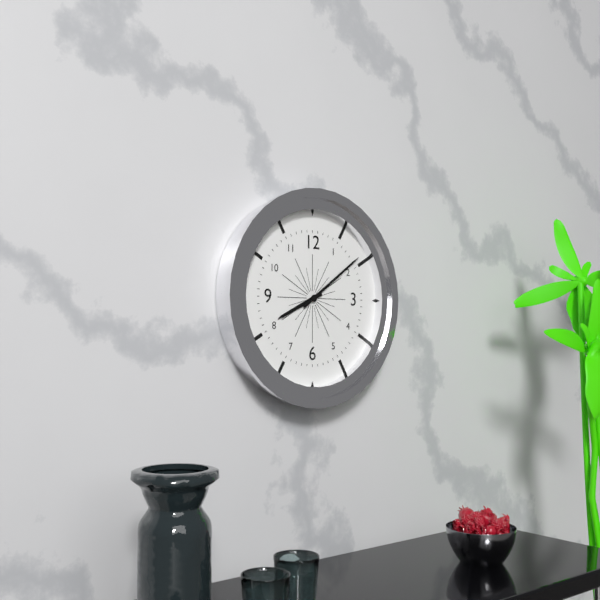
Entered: {"hour": 8, "minute": 9}
